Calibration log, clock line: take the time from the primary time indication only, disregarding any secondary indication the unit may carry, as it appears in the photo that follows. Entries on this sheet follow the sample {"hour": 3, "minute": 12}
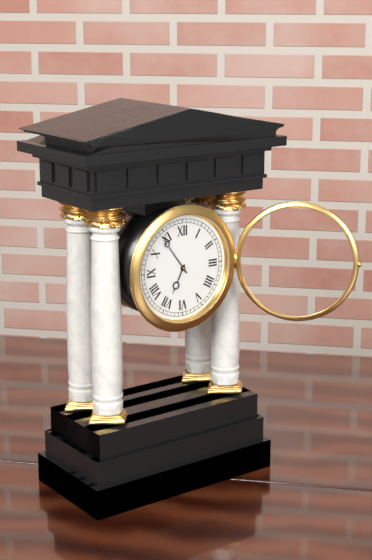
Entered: {"hour": 6, "minute": 54}
